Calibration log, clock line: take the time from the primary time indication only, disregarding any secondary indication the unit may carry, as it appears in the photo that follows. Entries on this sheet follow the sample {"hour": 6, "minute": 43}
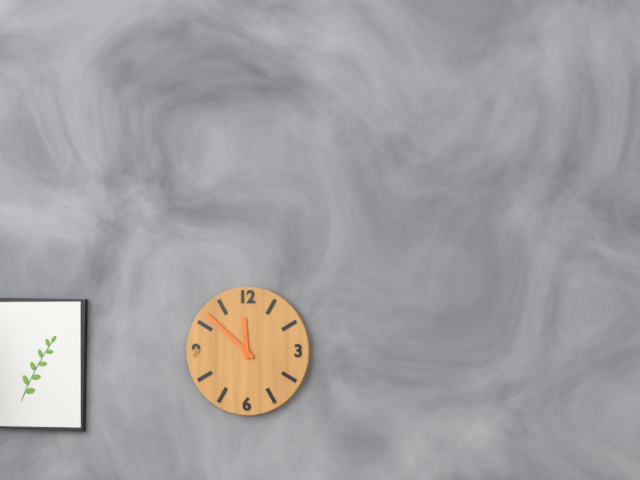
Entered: {"hour": 11, "minute": 52}
